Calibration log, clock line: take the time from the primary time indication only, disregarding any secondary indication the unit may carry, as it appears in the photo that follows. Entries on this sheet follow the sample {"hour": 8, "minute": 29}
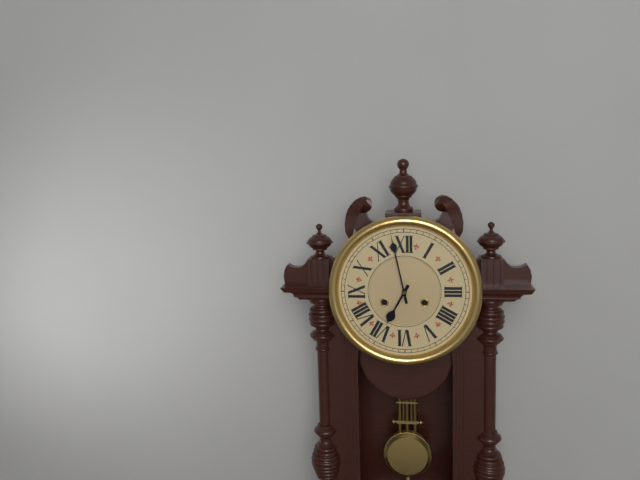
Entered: {"hour": 6, "minute": 58}
